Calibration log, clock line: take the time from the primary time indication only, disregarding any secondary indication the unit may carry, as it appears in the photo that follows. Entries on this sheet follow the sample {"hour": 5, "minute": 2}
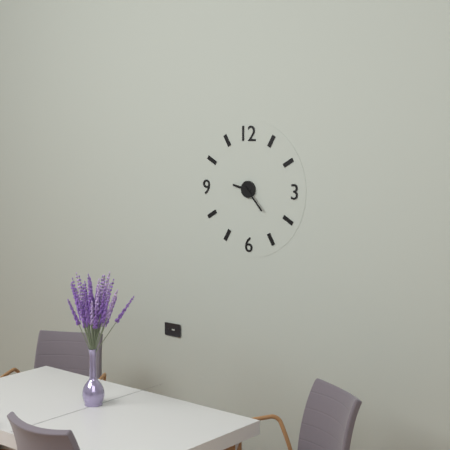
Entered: {"hour": 9, "minute": 23}
